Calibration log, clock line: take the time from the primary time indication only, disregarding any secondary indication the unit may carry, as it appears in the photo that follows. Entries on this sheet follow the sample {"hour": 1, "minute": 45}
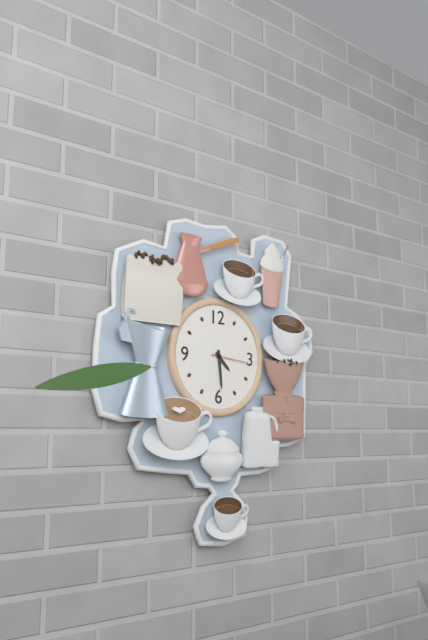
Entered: {"hour": 4, "minute": 29}
